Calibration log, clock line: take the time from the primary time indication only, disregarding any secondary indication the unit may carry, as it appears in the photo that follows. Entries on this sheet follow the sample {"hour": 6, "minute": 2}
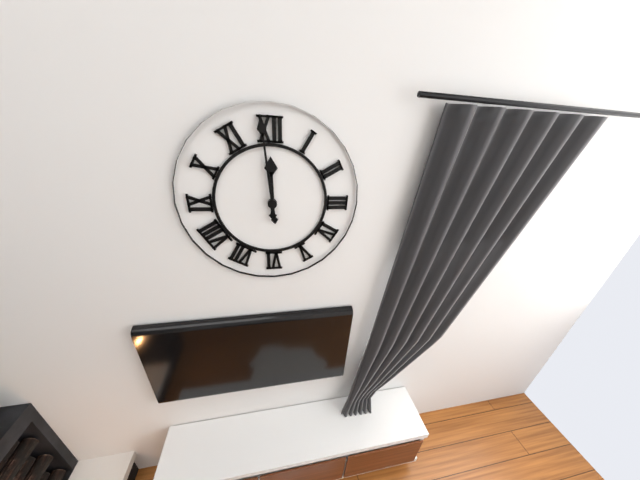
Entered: {"hour": 11, "minute": 59}
